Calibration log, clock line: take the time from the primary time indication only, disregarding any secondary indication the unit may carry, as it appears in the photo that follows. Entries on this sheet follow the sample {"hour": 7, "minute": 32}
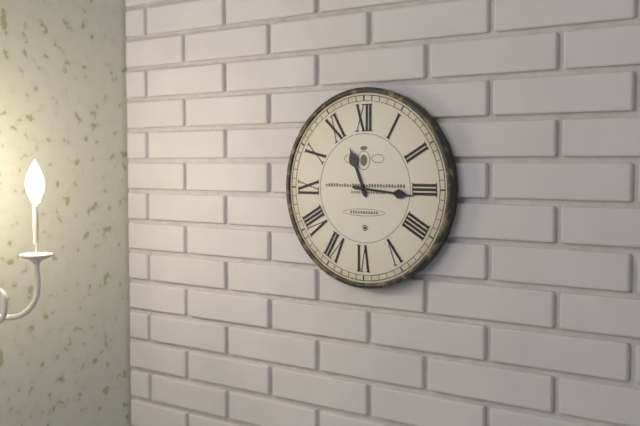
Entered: {"hour": 11, "minute": 16}
